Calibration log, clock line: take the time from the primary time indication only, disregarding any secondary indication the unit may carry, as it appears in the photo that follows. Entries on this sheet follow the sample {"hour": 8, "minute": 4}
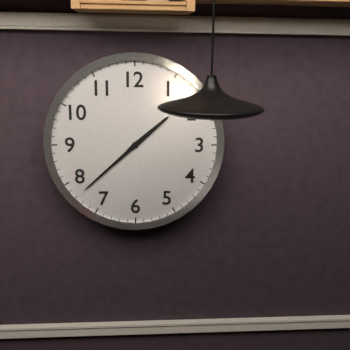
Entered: {"hour": 1, "minute": 38}
